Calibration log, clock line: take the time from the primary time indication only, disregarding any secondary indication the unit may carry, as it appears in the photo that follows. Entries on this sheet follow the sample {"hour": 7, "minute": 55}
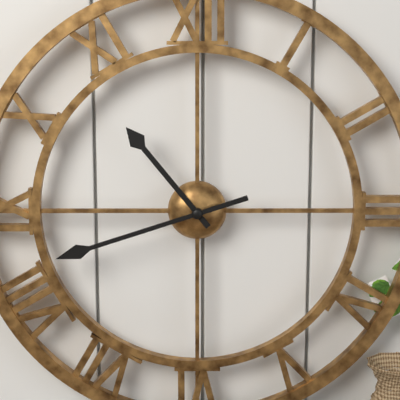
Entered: {"hour": 10, "minute": 42}
